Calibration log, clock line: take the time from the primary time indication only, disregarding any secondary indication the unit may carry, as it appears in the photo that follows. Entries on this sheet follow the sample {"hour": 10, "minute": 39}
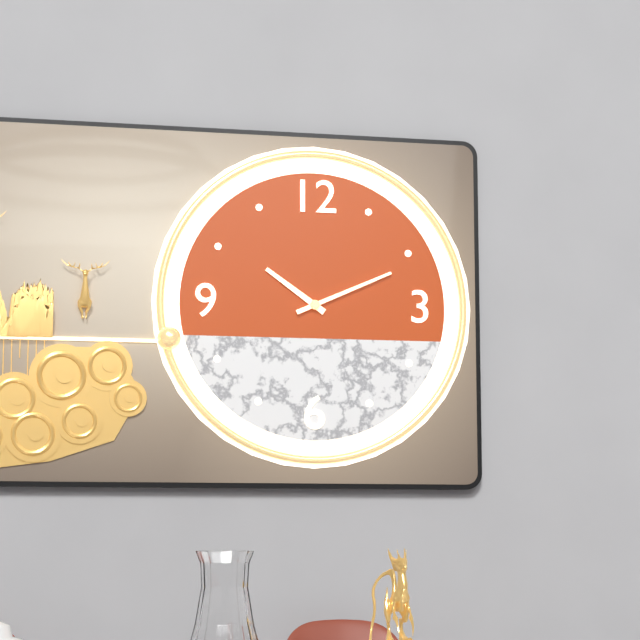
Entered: {"hour": 10, "minute": 11}
